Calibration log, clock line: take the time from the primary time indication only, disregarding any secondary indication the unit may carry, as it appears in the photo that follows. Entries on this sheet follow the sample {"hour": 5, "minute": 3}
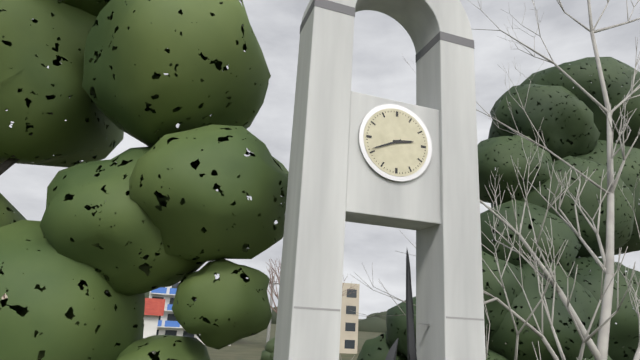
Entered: {"hour": 2, "minute": 41}
